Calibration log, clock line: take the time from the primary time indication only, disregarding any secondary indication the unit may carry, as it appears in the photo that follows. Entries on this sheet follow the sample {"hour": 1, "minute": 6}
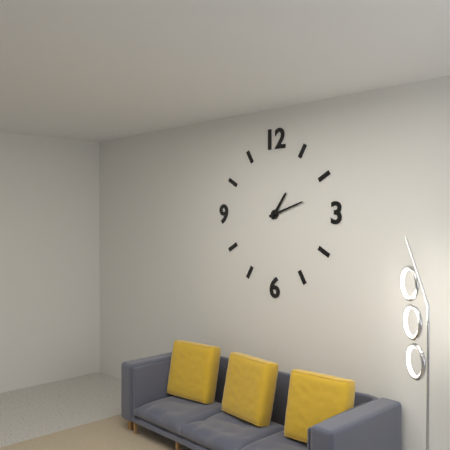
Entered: {"hour": 1, "minute": 12}
